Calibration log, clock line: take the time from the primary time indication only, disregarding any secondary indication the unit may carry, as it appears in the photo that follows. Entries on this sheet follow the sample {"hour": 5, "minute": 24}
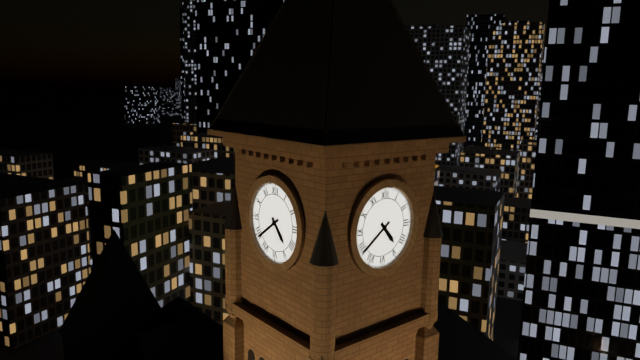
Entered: {"hour": 4, "minute": 39}
